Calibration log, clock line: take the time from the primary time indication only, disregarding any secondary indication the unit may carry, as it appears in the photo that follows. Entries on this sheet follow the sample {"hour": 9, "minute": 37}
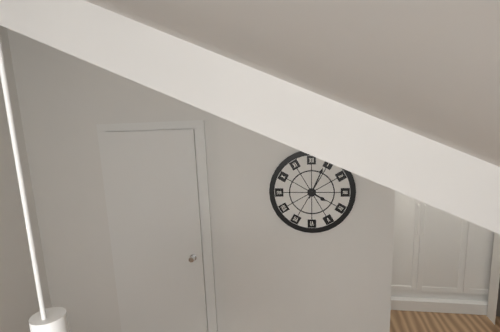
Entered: {"hour": 4, "minute": 4}
